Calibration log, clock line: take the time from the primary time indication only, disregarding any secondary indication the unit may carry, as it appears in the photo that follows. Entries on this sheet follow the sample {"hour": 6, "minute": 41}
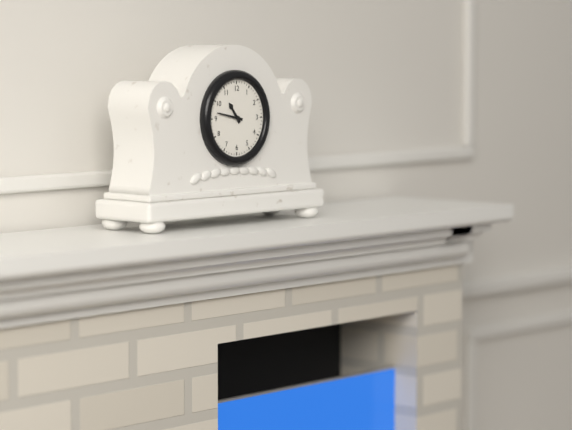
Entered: {"hour": 10, "minute": 47}
